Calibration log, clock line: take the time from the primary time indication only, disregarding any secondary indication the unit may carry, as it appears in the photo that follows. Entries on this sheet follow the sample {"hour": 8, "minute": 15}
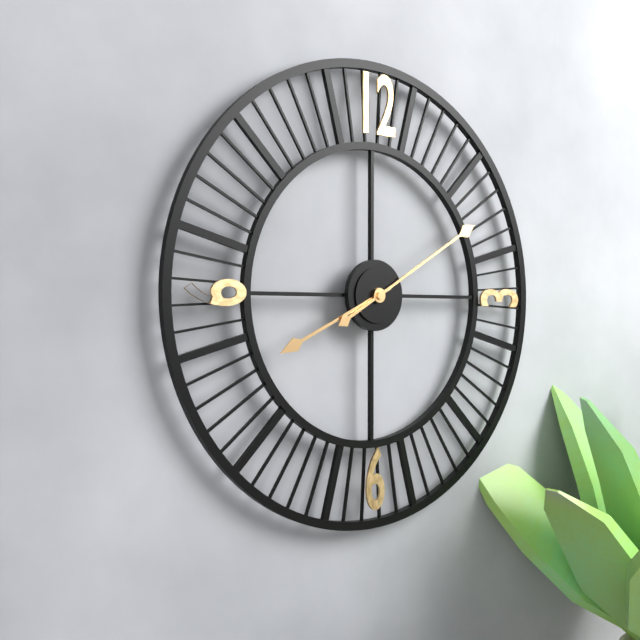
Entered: {"hour": 8, "minute": 10}
